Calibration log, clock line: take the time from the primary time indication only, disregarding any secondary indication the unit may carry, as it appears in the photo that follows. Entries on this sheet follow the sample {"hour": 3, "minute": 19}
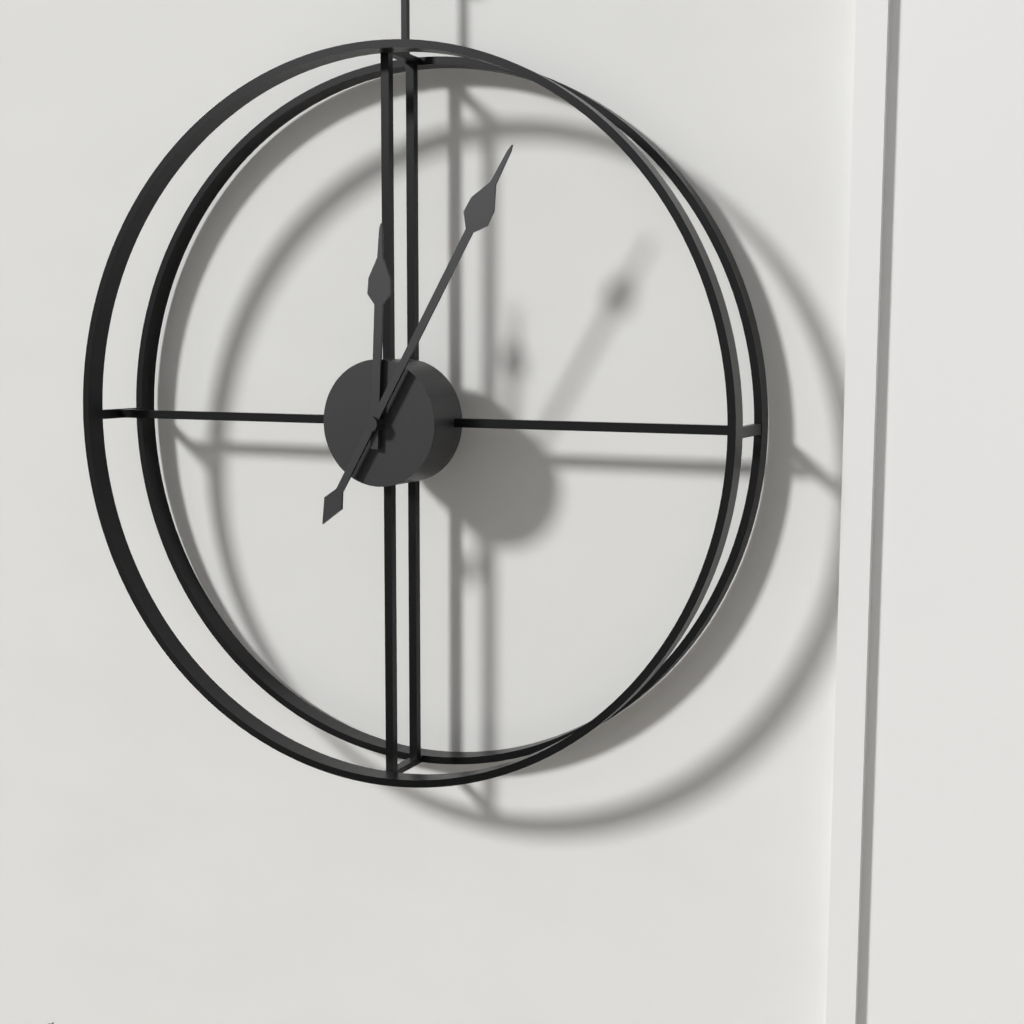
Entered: {"hour": 12, "minute": 5}
